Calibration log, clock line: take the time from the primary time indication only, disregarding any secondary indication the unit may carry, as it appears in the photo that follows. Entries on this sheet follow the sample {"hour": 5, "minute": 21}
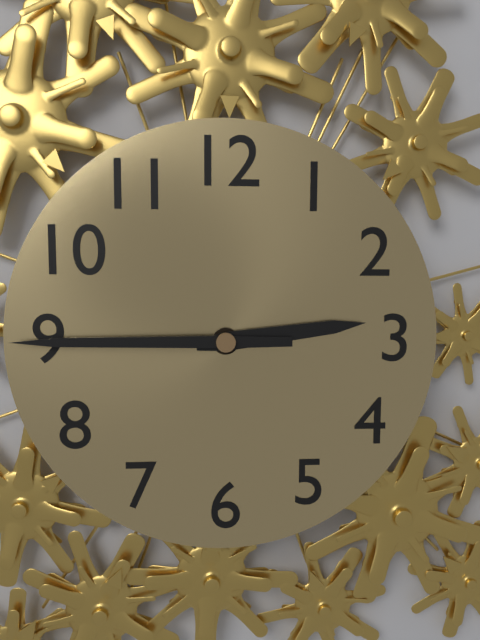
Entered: {"hour": 2, "minute": 45}
